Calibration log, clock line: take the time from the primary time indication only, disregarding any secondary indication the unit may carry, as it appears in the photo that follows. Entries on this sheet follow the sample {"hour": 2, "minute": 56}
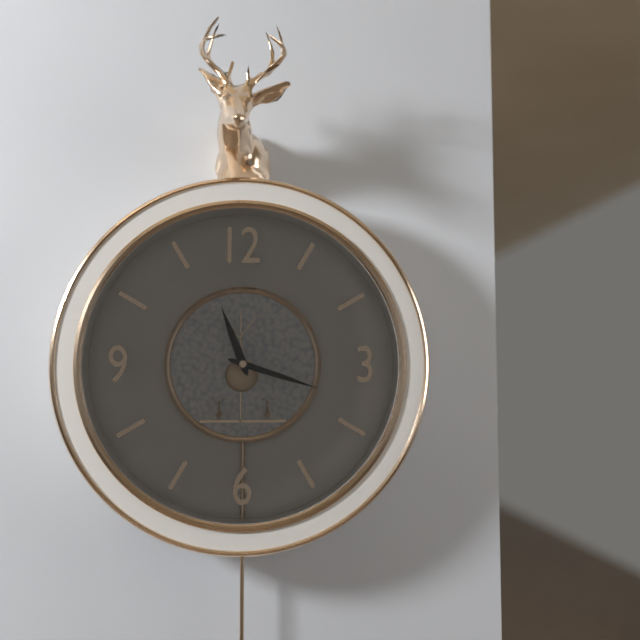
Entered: {"hour": 11, "minute": 18}
